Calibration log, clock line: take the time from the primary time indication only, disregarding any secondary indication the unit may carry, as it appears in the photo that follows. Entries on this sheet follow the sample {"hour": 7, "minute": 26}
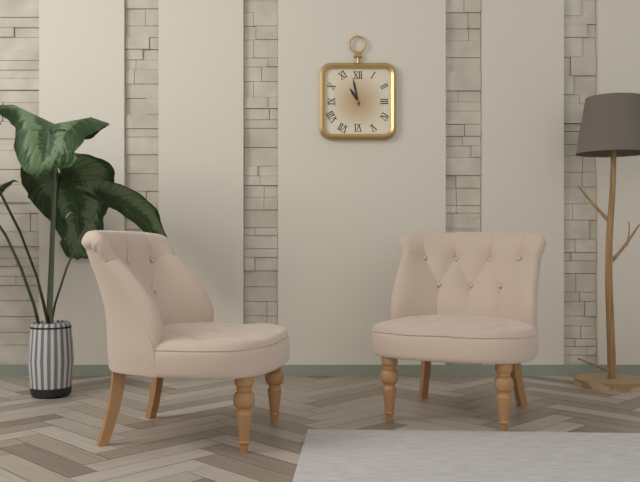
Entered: {"hour": 10, "minute": 58}
